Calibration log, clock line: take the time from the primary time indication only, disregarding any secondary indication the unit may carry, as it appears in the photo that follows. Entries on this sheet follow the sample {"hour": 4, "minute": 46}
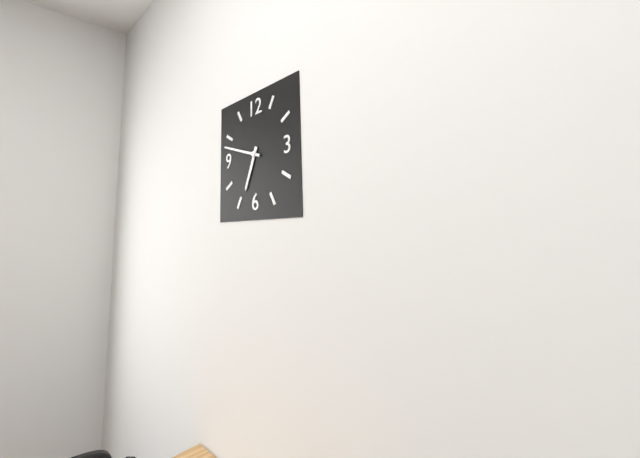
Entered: {"hour": 6, "minute": 48}
